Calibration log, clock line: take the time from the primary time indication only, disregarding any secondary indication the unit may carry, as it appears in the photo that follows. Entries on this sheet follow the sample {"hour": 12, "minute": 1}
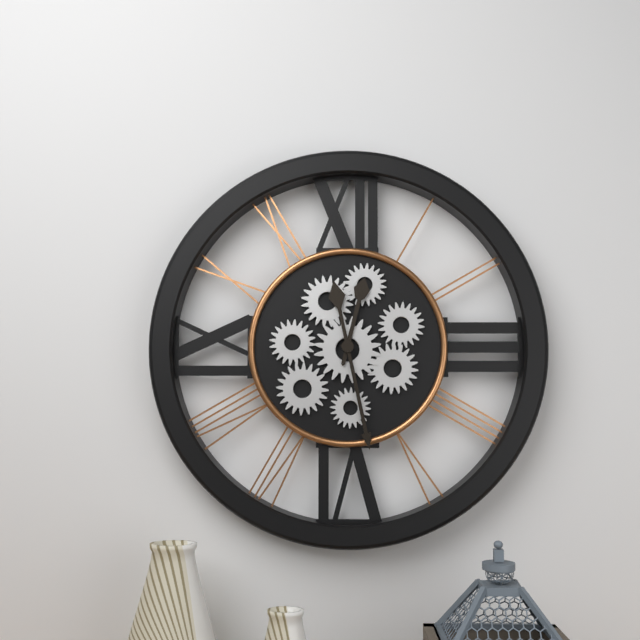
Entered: {"hour": 12, "minute": 28}
